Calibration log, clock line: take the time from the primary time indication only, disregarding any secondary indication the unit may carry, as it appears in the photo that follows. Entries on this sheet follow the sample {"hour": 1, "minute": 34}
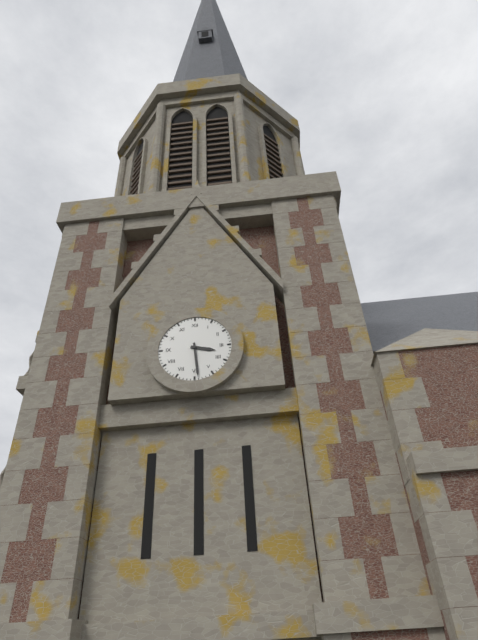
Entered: {"hour": 3, "minute": 29}
